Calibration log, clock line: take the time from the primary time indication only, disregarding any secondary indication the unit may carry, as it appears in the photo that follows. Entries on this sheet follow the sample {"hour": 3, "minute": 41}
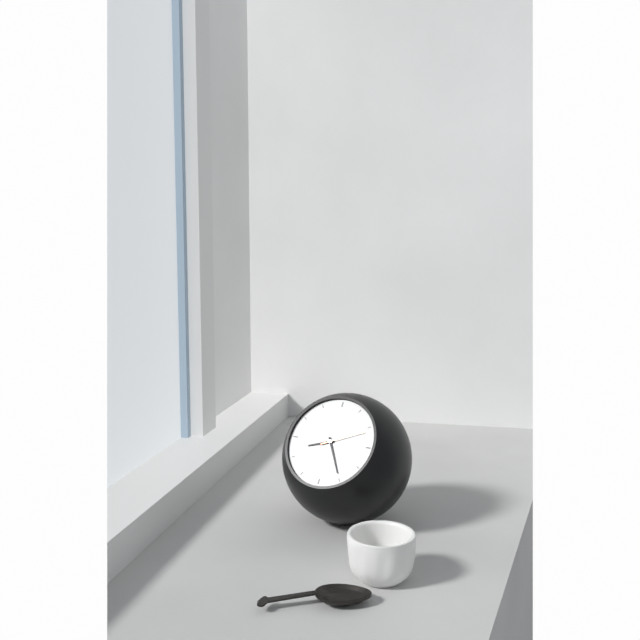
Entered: {"hour": 8, "minute": 25}
